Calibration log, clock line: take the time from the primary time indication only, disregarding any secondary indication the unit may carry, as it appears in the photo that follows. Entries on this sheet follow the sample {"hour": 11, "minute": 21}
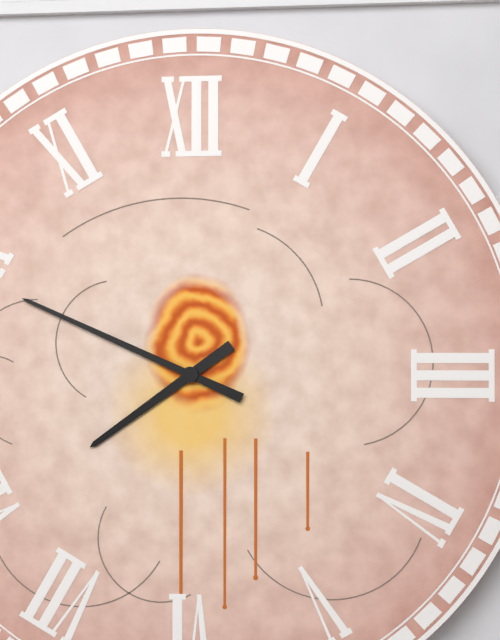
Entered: {"hour": 7, "minute": 49}
